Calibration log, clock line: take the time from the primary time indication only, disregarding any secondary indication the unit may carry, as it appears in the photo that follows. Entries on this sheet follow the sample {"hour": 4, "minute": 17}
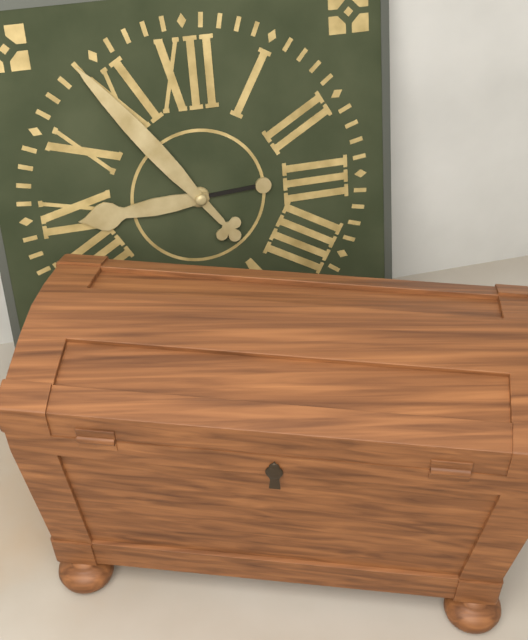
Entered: {"hour": 8, "minute": 54}
